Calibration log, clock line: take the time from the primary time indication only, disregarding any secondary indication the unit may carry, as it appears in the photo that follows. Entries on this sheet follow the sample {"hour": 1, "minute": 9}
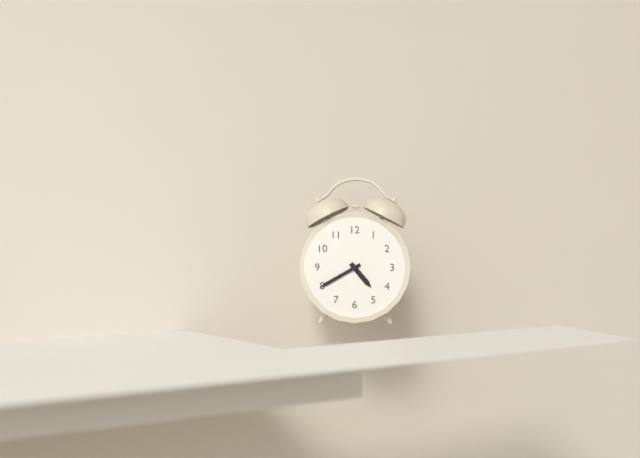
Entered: {"hour": 4, "minute": 40}
